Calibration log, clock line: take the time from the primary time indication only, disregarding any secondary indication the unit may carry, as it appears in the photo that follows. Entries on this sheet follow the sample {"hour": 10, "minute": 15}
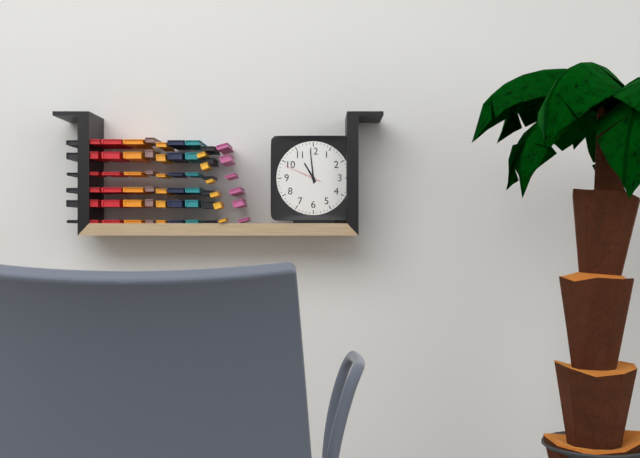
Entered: {"hour": 10, "minute": 59}
